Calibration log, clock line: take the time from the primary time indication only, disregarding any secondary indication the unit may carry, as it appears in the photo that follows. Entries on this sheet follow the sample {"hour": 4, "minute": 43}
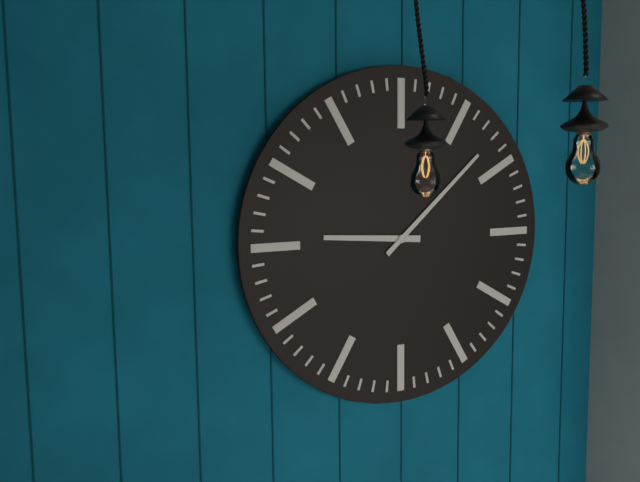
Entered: {"hour": 9, "minute": 8}
